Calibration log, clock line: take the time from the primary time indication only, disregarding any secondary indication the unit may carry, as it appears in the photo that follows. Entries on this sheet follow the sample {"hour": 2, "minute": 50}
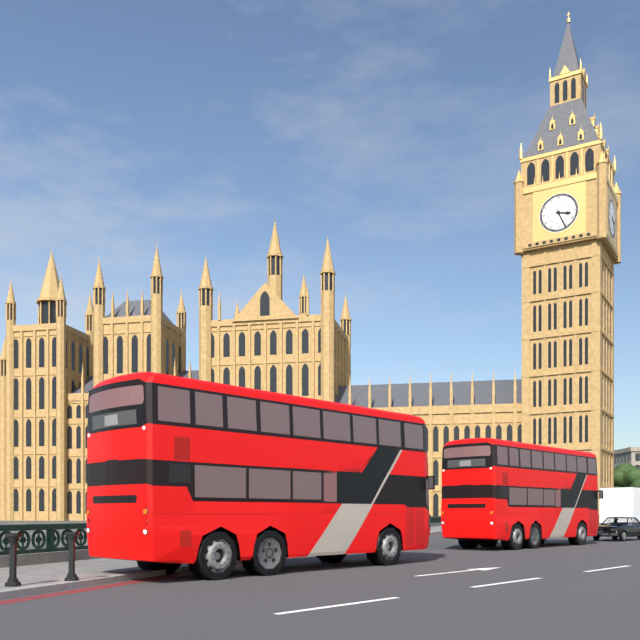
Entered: {"hour": 3, "minute": 26}
